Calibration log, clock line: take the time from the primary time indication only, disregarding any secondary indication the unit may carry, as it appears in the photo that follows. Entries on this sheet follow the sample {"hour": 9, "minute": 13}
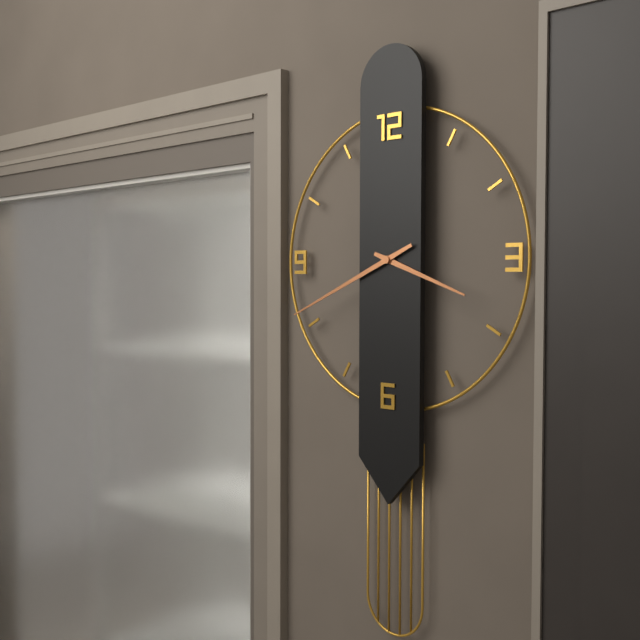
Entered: {"hour": 3, "minute": 41}
